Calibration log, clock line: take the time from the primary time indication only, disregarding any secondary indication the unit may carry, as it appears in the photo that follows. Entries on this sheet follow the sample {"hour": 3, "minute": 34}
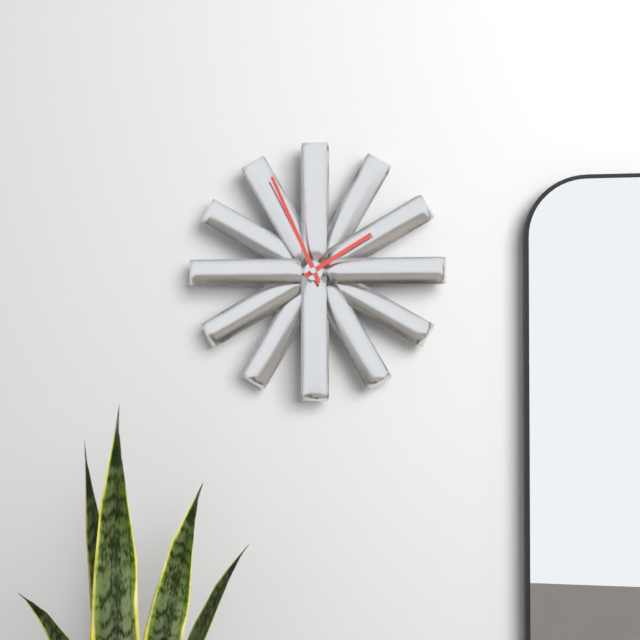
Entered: {"hour": 1, "minute": 56}
